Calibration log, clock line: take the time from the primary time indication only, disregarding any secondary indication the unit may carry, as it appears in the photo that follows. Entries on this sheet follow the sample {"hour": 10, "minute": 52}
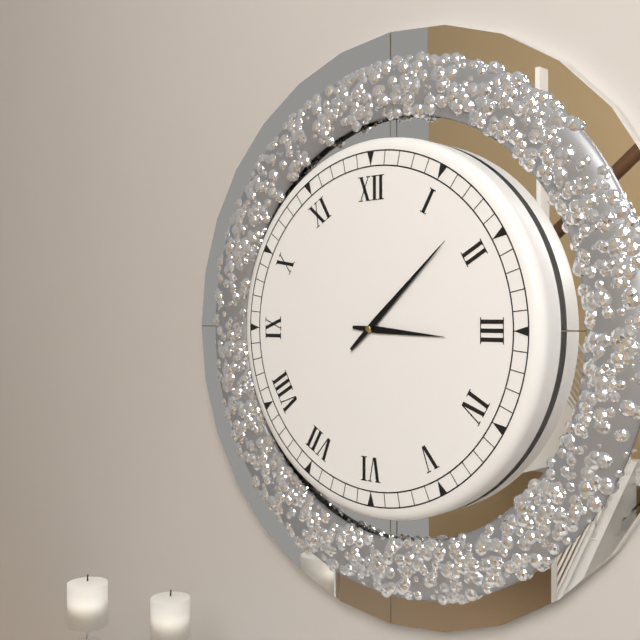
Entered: {"hour": 3, "minute": 8}
